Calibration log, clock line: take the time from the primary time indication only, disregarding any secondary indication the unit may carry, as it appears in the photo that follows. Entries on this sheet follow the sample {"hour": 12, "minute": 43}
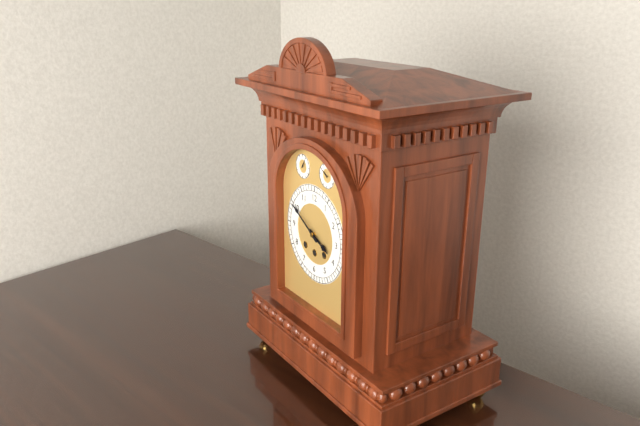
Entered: {"hour": 3, "minute": 50}
